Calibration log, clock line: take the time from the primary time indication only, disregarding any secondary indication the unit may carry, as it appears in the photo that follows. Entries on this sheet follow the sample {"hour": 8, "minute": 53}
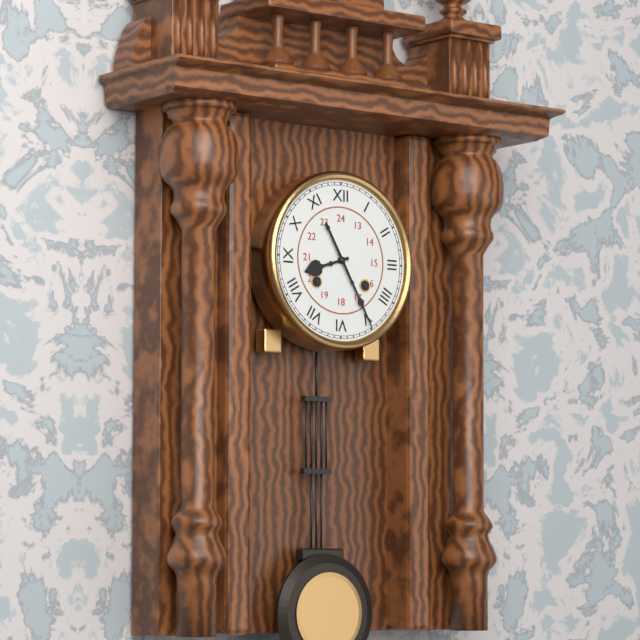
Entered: {"hour": 8, "minute": 25}
